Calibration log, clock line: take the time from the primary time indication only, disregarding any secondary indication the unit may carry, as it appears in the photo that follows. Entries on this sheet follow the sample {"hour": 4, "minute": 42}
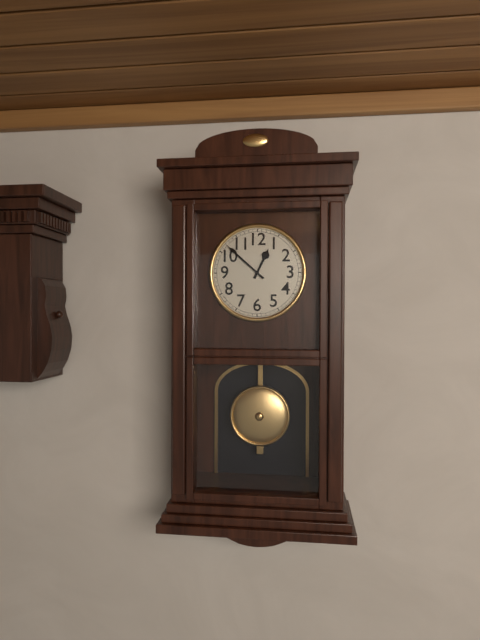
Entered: {"hour": 12, "minute": 52}
